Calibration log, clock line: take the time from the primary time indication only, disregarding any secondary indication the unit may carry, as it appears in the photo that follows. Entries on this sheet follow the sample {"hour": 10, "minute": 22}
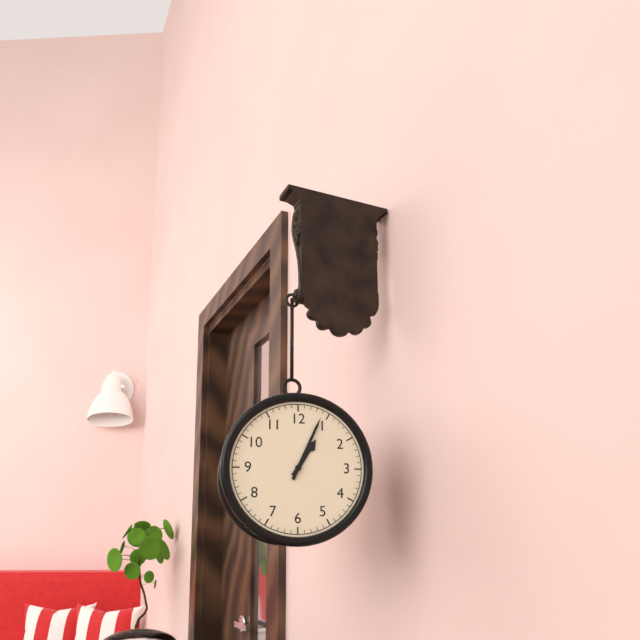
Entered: {"hour": 1, "minute": 4}
